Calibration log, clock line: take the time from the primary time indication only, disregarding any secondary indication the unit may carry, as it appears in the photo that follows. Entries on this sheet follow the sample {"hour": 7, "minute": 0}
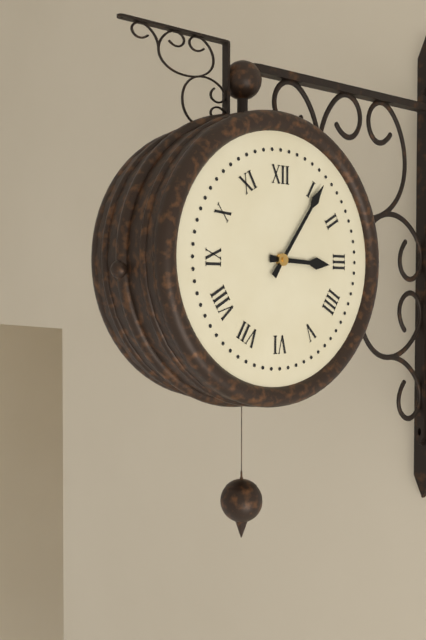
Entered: {"hour": 3, "minute": 6}
